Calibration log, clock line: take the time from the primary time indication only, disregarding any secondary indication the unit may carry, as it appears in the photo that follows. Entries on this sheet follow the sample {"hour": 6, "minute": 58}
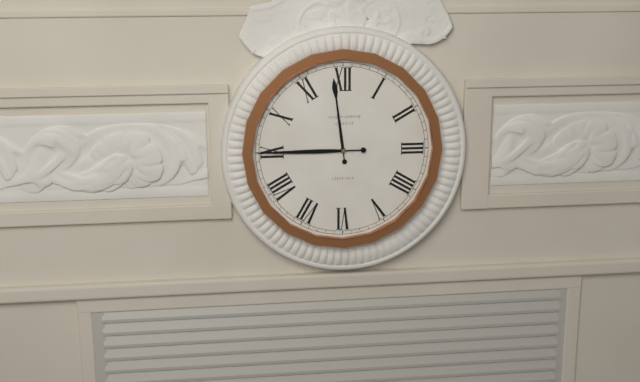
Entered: {"hour": 11, "minute": 45}
